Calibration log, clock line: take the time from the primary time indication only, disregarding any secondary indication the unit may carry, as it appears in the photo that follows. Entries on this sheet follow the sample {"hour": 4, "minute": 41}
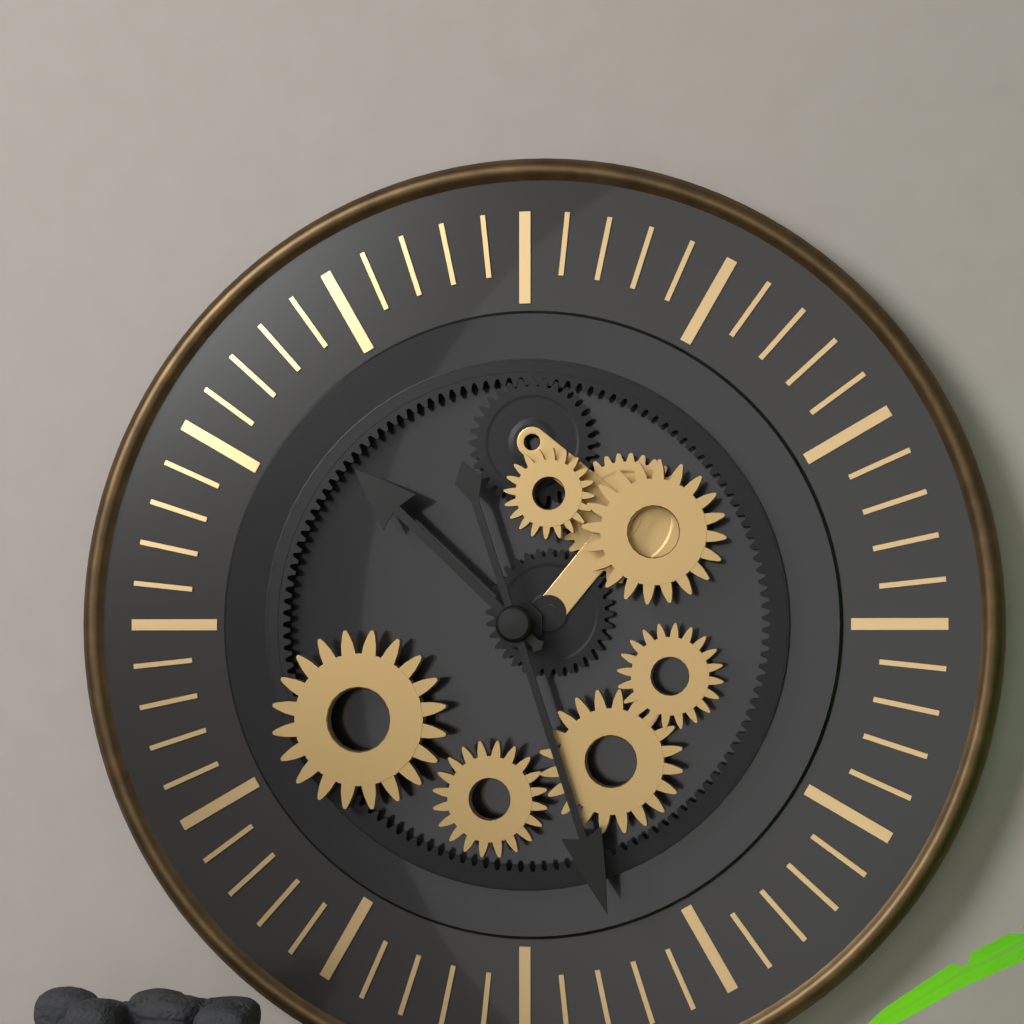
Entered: {"hour": 10, "minute": 27}
